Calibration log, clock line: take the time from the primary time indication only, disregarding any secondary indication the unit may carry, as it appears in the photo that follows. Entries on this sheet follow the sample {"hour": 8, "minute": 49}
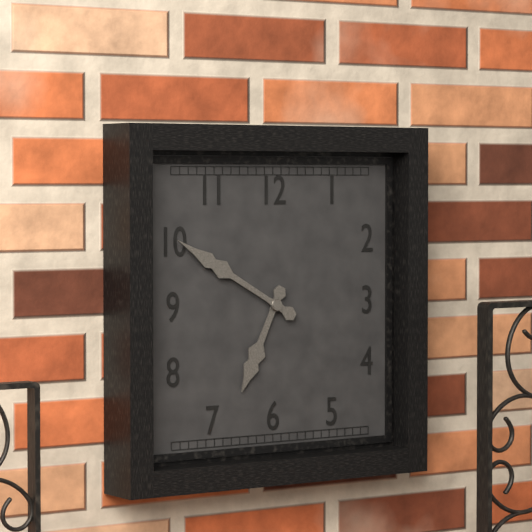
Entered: {"hour": 6, "minute": 50}
